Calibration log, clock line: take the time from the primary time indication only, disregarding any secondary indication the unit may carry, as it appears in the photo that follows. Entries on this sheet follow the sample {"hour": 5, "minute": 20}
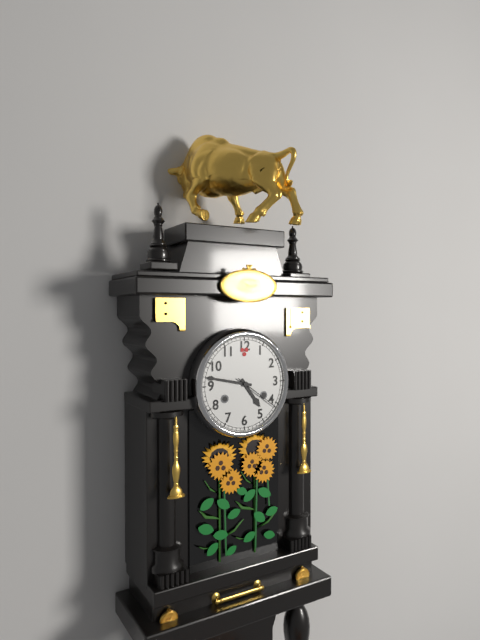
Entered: {"hour": 4, "minute": 47}
